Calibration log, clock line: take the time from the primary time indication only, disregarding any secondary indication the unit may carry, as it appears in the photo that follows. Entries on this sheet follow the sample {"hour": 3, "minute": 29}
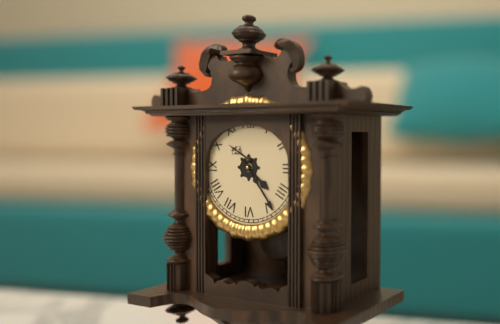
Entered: {"hour": 4, "minute": 24}
